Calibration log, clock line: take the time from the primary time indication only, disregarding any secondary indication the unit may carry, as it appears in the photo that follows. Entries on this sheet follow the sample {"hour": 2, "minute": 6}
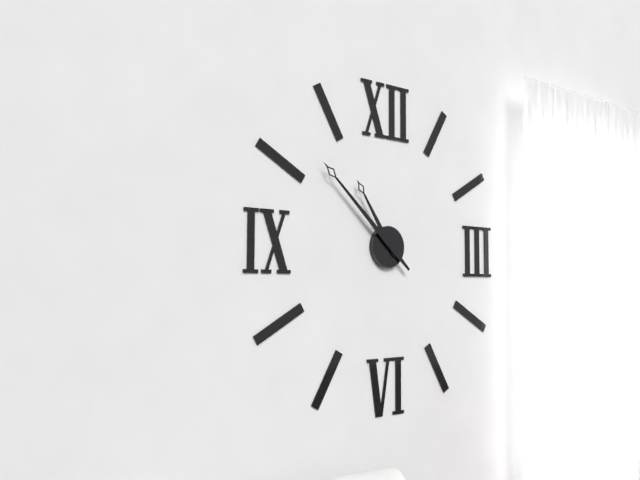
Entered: {"hour": 10, "minute": 52}
